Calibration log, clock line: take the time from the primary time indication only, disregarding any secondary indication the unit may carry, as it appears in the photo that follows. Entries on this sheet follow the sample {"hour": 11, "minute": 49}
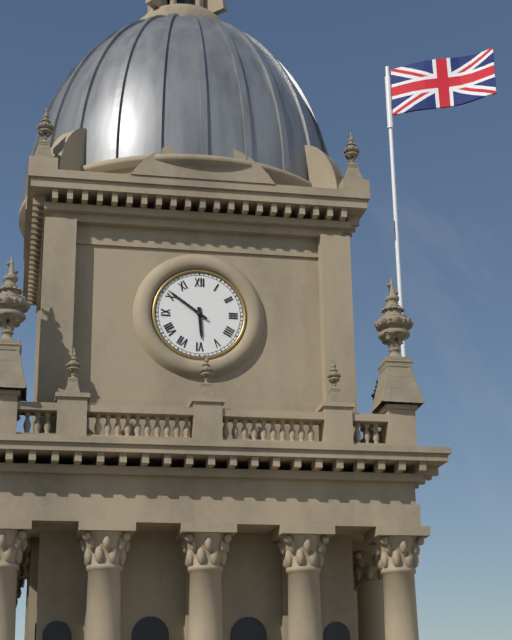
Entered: {"hour": 5, "minute": 51}
